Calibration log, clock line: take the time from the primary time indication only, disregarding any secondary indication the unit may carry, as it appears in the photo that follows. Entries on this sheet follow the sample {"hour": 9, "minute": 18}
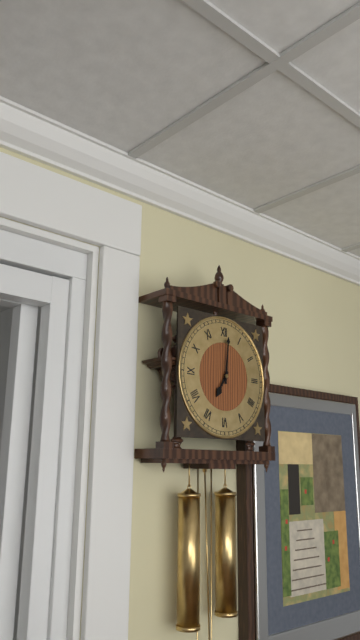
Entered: {"hour": 7, "minute": 1}
